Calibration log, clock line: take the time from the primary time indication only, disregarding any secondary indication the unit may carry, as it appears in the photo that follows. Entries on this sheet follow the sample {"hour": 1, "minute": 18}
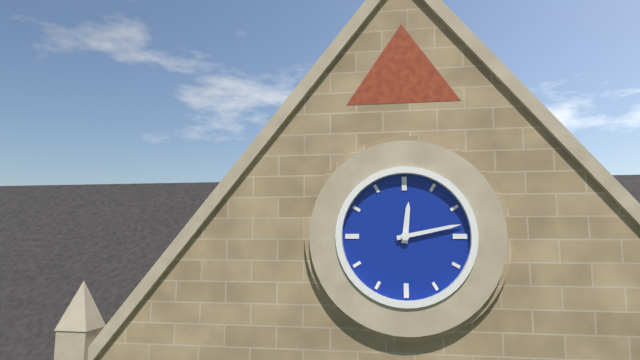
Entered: {"hour": 12, "minute": 13}
